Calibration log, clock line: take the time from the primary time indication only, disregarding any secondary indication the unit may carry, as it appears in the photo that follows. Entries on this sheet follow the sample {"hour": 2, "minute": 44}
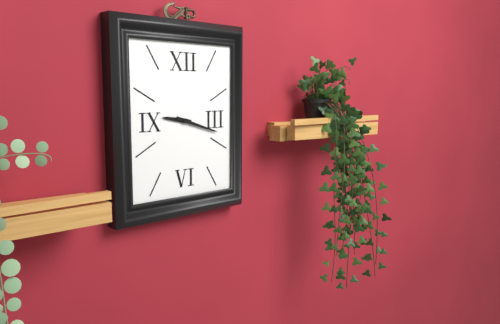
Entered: {"hour": 9, "minute": 18}
